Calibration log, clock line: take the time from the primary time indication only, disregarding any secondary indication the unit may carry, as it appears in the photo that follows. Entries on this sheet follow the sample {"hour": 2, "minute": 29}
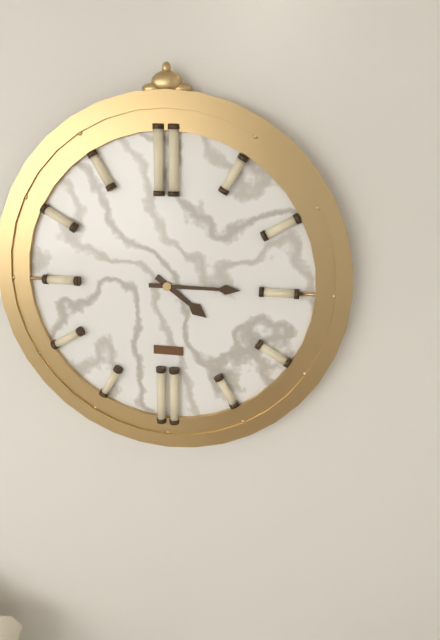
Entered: {"hour": 4, "minute": 15}
